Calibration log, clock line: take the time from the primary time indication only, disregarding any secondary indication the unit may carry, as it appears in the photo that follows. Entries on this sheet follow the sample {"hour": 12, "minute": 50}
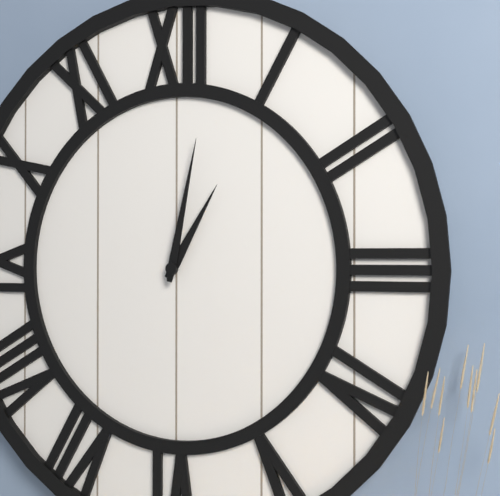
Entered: {"hour": 1, "minute": 2}
